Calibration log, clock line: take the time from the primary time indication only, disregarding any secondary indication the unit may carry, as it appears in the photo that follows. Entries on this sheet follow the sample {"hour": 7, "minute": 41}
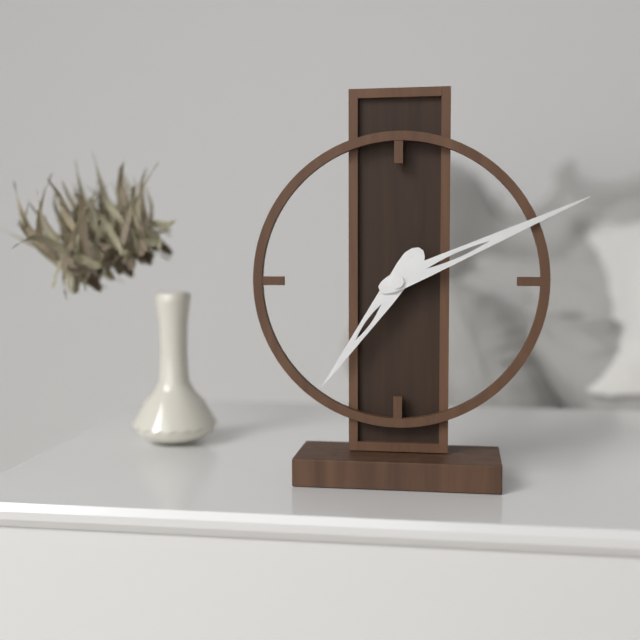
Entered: {"hour": 7, "minute": 11}
